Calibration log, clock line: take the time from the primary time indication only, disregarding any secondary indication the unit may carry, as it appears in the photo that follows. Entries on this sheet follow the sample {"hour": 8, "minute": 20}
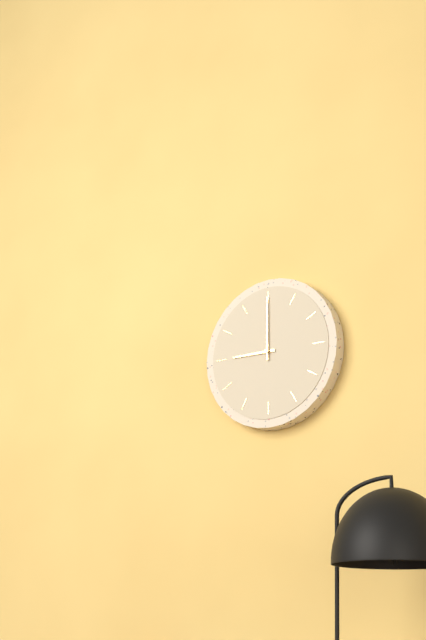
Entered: {"hour": 9, "minute": 0}
